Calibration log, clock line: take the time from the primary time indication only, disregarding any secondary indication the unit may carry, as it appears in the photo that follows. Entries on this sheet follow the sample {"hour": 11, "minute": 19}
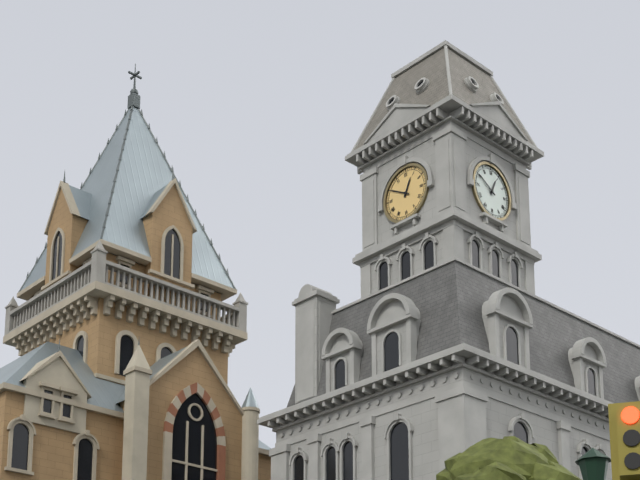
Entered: {"hour": 12, "minute": 50}
